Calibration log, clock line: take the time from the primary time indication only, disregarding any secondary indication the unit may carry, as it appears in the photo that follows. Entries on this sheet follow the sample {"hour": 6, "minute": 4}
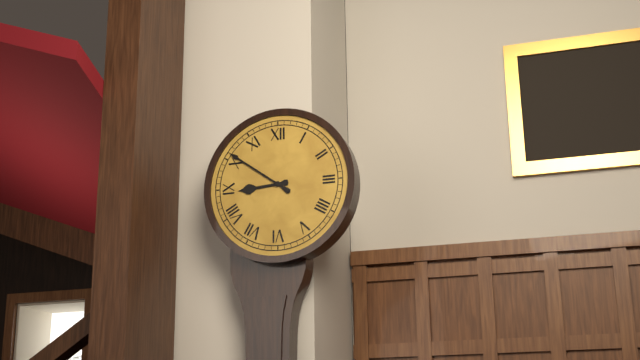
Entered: {"hour": 8, "minute": 51}
